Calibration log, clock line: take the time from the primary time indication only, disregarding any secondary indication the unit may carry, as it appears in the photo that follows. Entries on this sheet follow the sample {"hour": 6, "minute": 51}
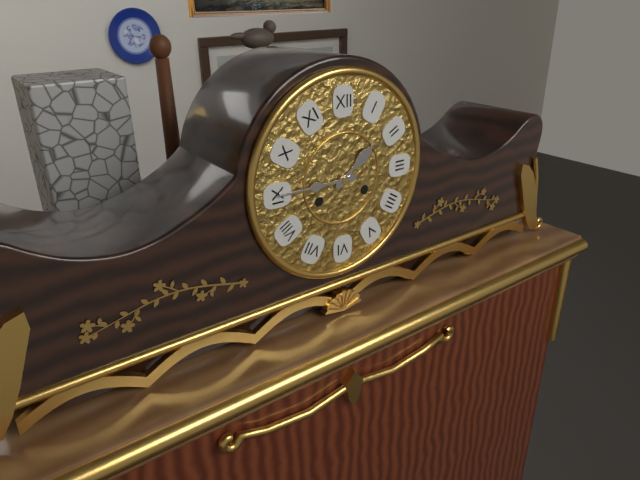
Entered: {"hour": 1, "minute": 45}
